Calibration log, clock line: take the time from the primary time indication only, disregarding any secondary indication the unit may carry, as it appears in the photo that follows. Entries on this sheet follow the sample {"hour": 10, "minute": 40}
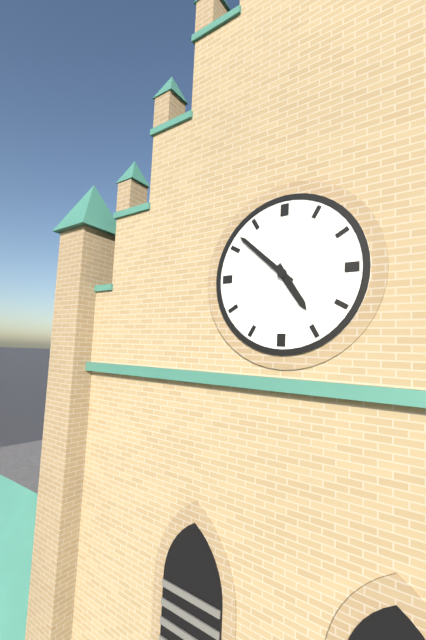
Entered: {"hour": 4, "minute": 52}
